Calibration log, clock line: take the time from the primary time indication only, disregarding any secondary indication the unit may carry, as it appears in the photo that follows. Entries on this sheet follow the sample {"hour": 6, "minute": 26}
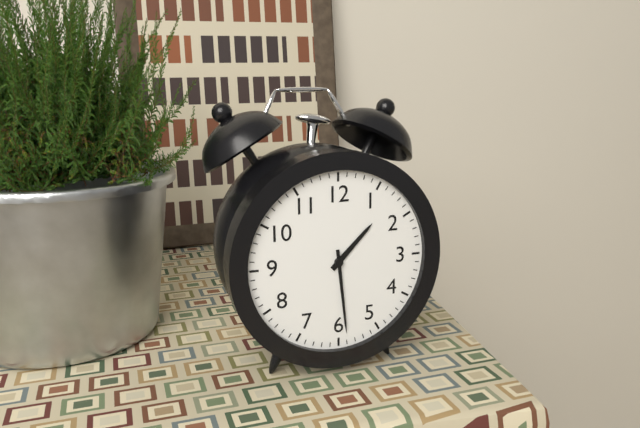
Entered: {"hour": 1, "minute": 29}
